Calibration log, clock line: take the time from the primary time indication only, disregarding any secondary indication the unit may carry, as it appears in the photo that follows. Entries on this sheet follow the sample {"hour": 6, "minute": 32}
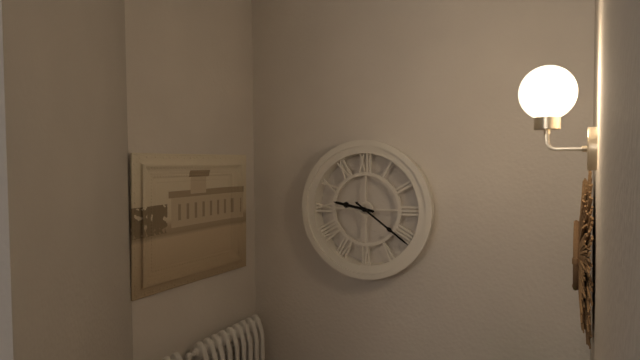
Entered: {"hour": 9, "minute": 21}
